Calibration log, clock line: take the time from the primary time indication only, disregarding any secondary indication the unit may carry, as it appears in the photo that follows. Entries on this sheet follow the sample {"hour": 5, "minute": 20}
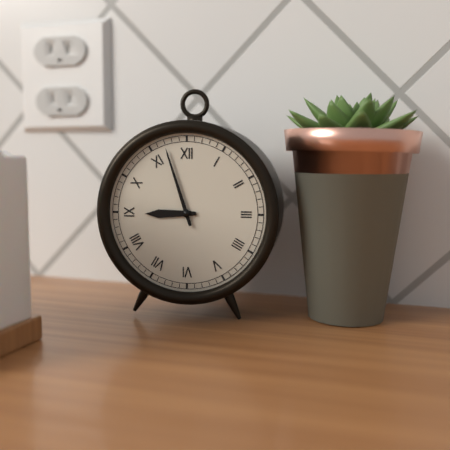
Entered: {"hour": 8, "minute": 57}
